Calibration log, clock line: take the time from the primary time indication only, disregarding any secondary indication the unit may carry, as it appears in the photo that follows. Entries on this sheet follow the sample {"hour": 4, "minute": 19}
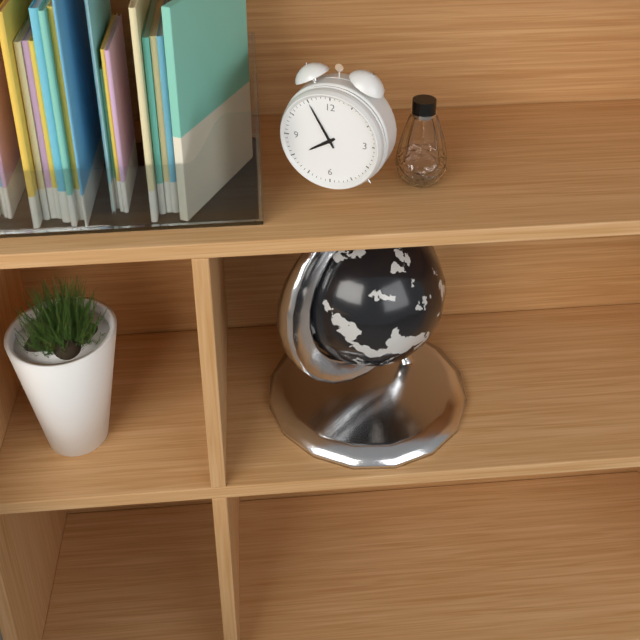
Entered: {"hour": 7, "minute": 55}
